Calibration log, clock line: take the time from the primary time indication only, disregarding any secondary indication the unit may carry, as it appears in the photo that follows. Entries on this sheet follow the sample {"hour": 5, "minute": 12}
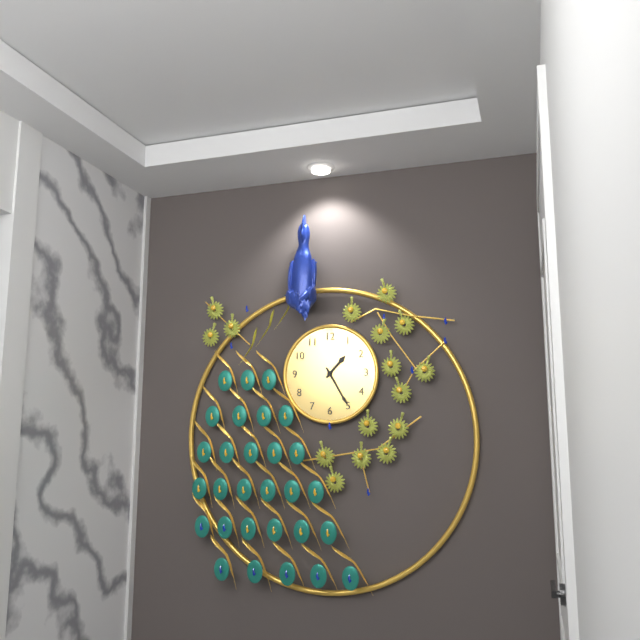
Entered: {"hour": 1, "minute": 25}
